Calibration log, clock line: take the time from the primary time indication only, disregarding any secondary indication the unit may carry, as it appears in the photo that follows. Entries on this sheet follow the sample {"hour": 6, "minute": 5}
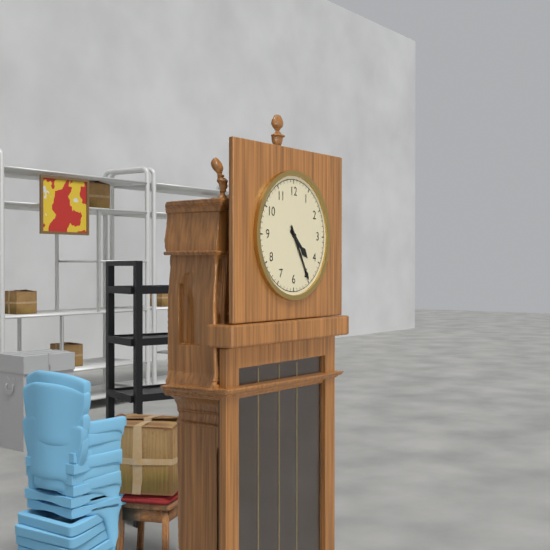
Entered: {"hour": 4, "minute": 25}
